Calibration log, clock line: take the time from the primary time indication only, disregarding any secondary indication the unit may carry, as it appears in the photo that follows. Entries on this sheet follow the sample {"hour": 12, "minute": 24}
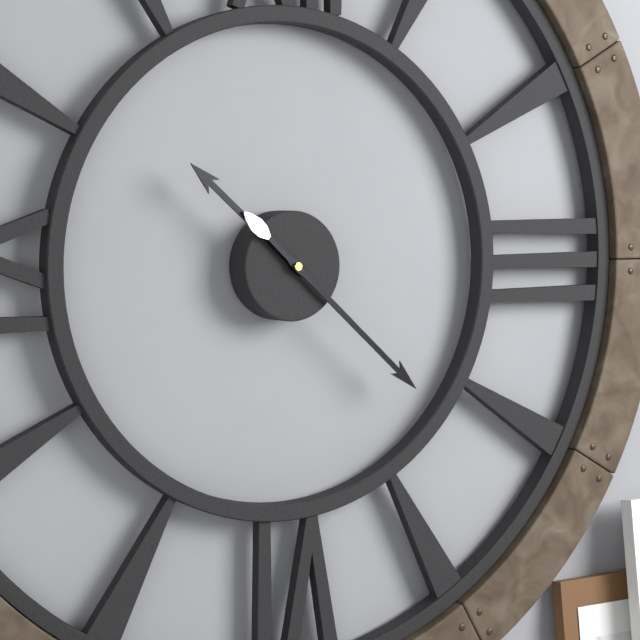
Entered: {"hour": 10, "minute": 22}
